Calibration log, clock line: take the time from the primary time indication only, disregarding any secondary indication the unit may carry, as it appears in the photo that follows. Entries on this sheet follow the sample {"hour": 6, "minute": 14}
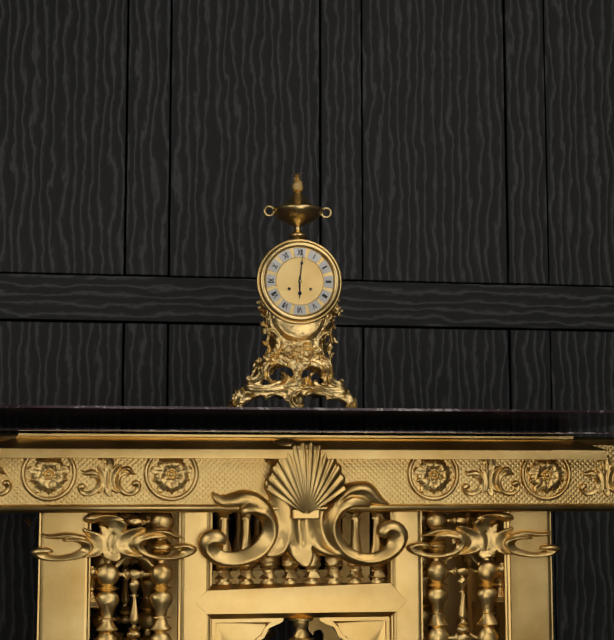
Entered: {"hour": 6, "minute": 1}
